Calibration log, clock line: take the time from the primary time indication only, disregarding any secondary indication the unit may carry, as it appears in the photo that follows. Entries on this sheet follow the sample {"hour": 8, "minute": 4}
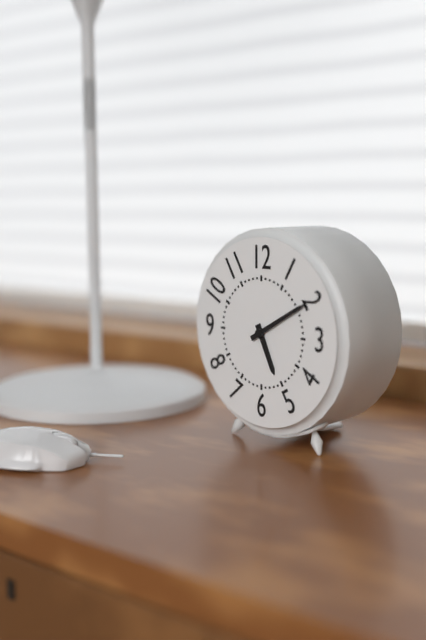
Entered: {"hour": 5, "minute": 10}
